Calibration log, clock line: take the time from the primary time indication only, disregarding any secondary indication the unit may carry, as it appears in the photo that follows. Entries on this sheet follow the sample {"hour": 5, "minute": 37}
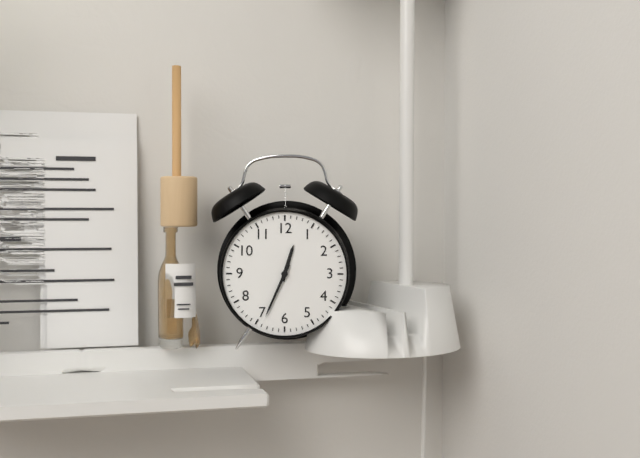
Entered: {"hour": 12, "minute": 34}
